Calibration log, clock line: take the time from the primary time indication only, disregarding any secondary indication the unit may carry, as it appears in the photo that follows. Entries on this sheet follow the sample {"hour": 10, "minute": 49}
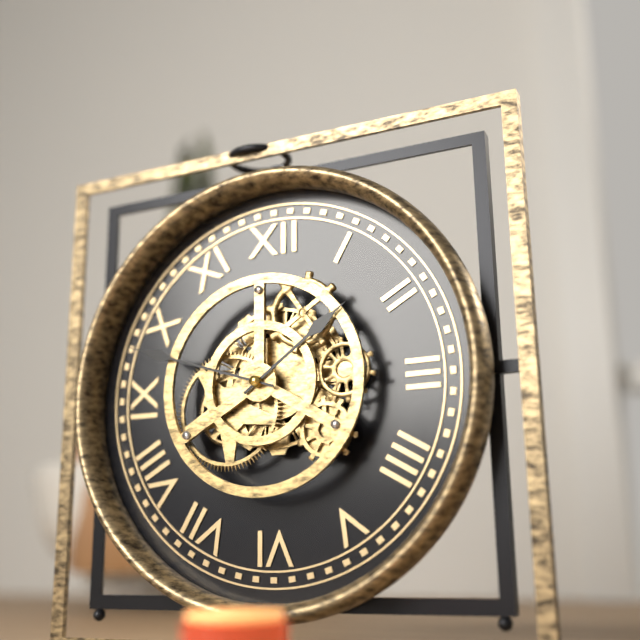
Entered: {"hour": 1, "minute": 48}
